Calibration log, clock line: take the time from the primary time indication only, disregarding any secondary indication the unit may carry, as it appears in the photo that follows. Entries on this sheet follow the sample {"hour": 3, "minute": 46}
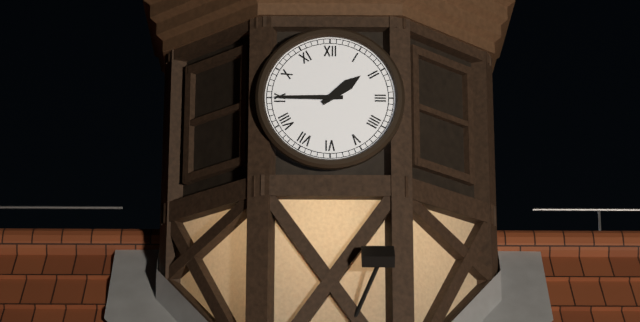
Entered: {"hour": 1, "minute": 45}
